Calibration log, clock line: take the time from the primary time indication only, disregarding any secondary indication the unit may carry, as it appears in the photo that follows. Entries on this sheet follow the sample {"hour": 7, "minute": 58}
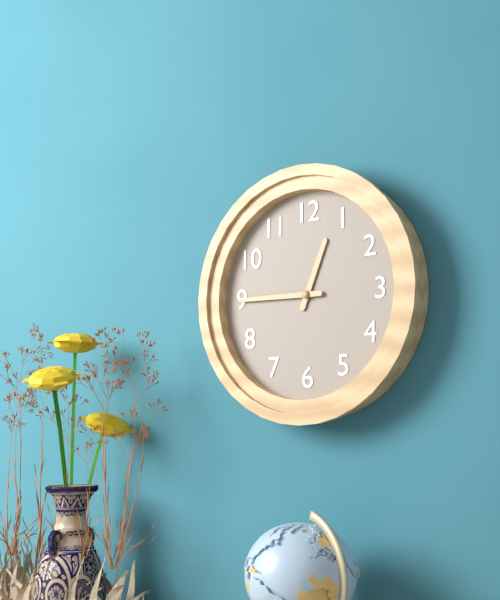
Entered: {"hour": 12, "minute": 45}
